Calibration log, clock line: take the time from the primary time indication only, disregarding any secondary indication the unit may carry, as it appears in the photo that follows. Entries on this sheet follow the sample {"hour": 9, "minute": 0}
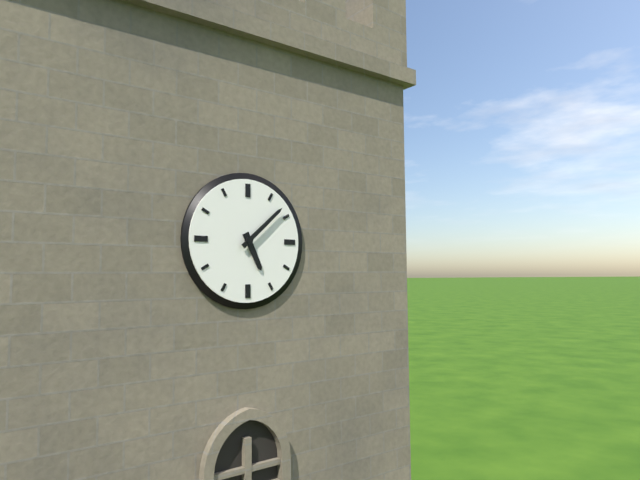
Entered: {"hour": 5, "minute": 8}
